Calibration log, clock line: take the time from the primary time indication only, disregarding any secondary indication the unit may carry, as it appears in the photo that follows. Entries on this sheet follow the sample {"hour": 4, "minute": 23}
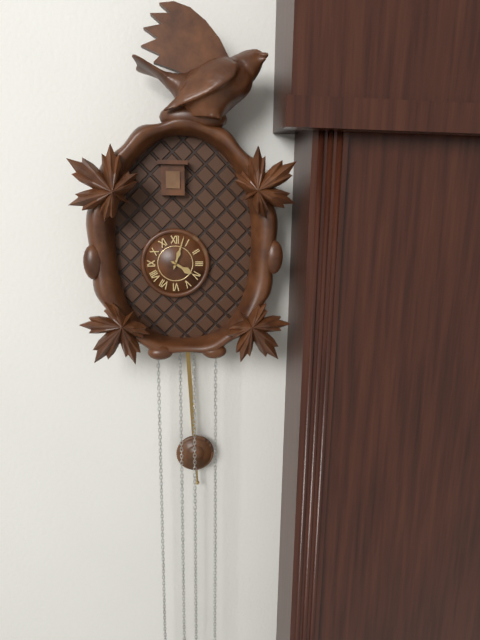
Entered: {"hour": 4, "minute": 3}
